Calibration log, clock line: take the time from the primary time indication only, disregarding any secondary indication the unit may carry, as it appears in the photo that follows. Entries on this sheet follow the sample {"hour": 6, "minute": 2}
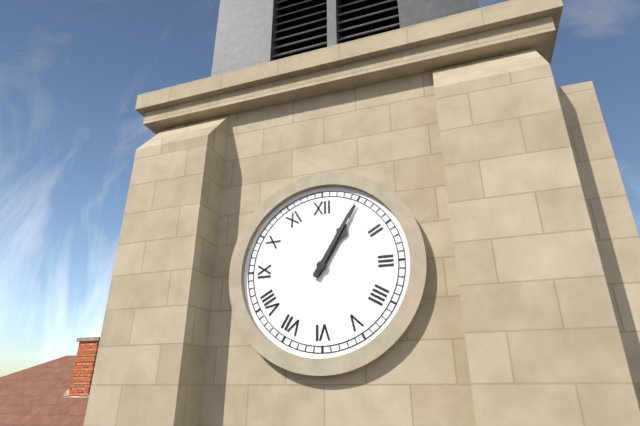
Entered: {"hour": 1, "minute": 5}
